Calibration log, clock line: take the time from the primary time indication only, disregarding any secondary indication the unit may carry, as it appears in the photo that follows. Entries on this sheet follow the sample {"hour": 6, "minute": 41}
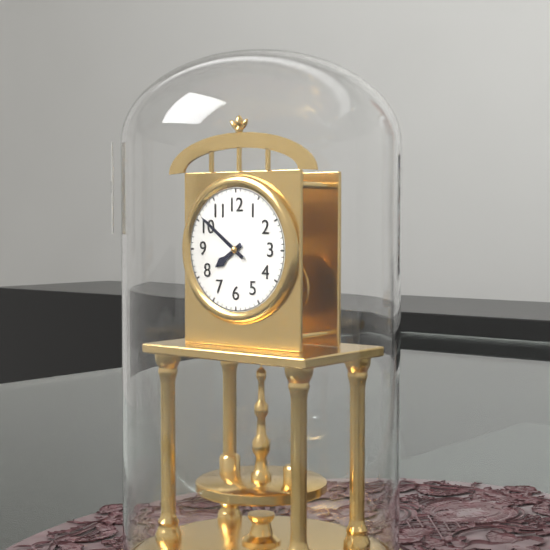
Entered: {"hour": 7, "minute": 51}
